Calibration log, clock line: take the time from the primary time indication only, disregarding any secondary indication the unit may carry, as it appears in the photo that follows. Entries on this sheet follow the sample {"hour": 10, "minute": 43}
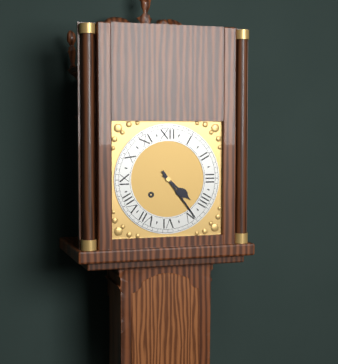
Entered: {"hour": 4, "minute": 24}
